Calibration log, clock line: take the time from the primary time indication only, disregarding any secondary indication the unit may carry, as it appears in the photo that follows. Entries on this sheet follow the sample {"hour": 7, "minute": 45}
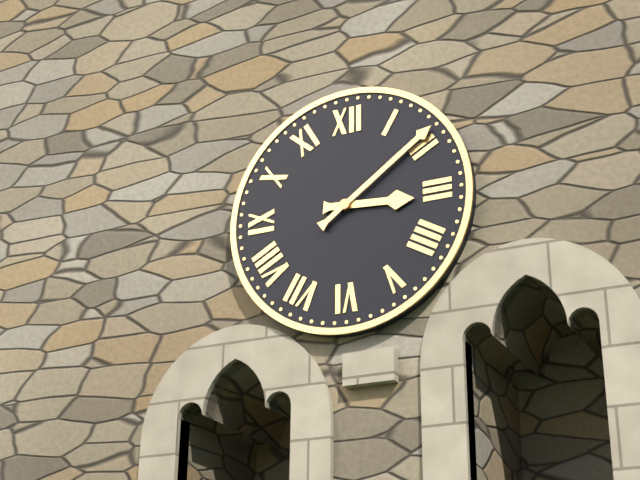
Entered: {"hour": 3, "minute": 9}
